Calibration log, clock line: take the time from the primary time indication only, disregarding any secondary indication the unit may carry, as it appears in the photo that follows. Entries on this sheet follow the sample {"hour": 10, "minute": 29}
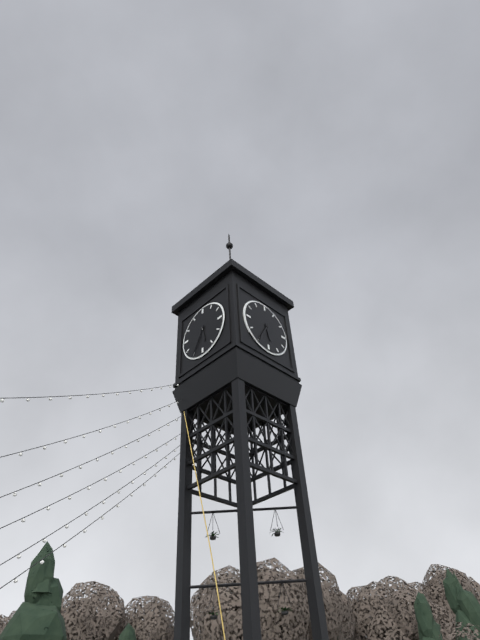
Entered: {"hour": 5, "minute": 35}
